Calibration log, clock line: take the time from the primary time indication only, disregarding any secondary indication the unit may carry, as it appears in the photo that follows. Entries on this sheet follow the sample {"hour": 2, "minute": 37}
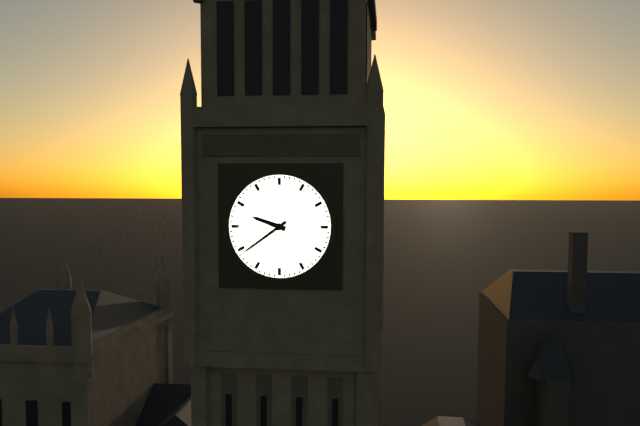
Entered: {"hour": 9, "minute": 39}
